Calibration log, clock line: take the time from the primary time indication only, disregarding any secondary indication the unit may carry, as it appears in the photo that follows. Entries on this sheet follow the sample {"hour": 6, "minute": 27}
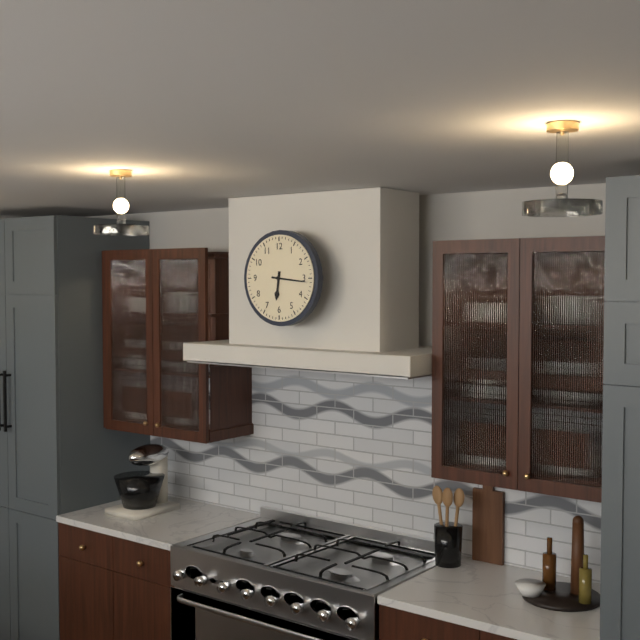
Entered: {"hour": 6, "minute": 16}
